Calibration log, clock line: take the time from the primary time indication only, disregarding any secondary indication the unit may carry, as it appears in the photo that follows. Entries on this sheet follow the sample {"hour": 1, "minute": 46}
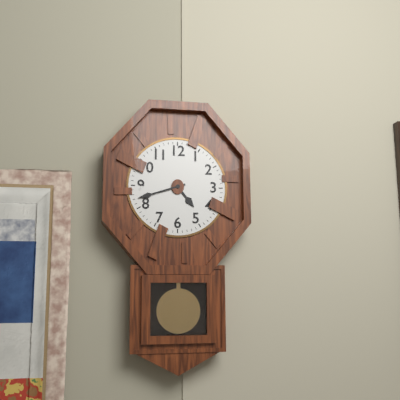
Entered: {"hour": 4, "minute": 42}
